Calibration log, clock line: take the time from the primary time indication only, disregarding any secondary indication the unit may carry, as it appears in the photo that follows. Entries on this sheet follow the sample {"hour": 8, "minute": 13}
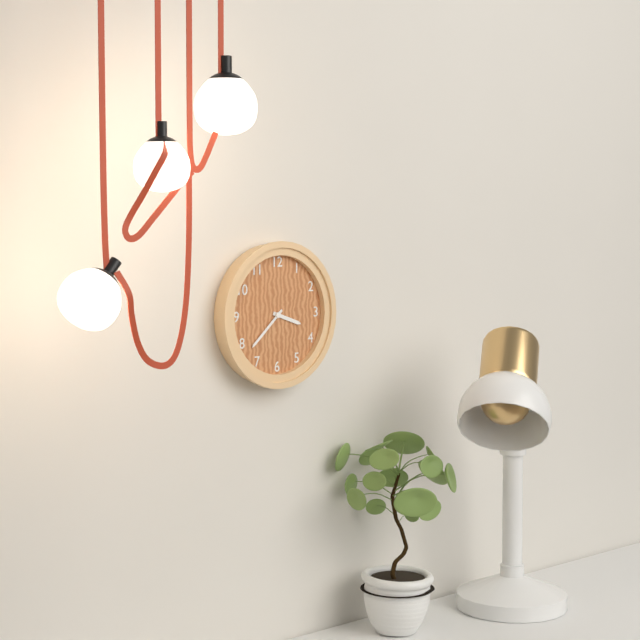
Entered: {"hour": 3, "minute": 38}
